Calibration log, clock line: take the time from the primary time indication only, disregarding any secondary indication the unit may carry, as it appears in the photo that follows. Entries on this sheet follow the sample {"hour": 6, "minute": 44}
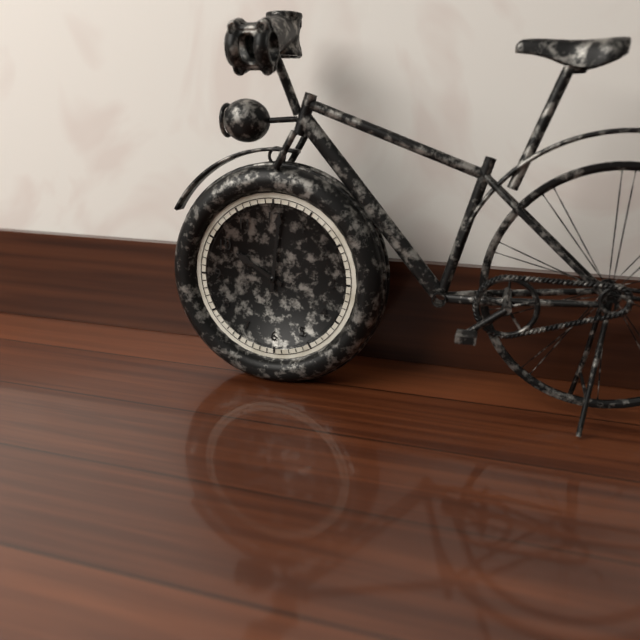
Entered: {"hour": 10, "minute": 1}
